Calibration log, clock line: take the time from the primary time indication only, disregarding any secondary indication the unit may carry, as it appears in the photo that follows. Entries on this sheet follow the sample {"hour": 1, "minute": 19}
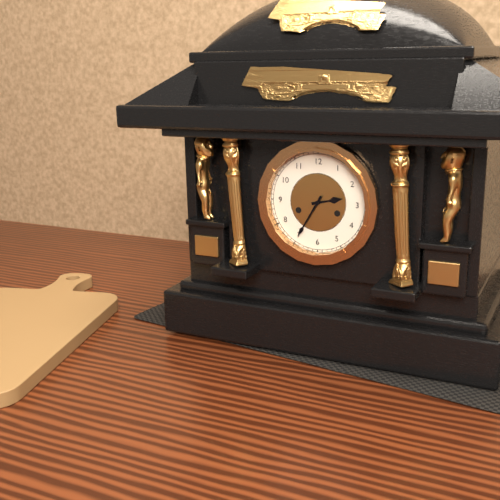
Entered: {"hour": 2, "minute": 35}
